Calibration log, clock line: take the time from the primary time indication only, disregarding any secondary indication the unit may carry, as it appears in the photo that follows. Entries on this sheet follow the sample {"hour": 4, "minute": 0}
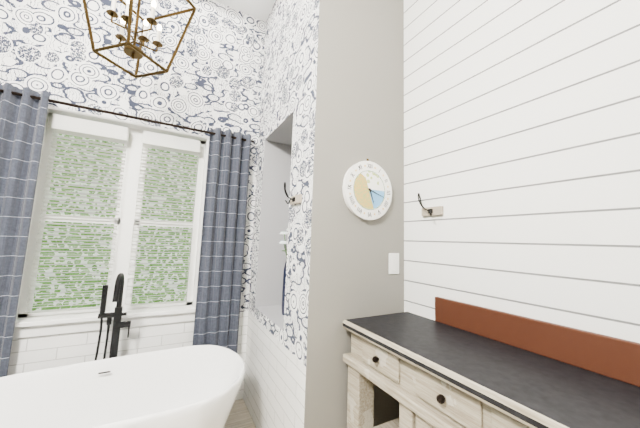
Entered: {"hour": 5, "minute": 18}
